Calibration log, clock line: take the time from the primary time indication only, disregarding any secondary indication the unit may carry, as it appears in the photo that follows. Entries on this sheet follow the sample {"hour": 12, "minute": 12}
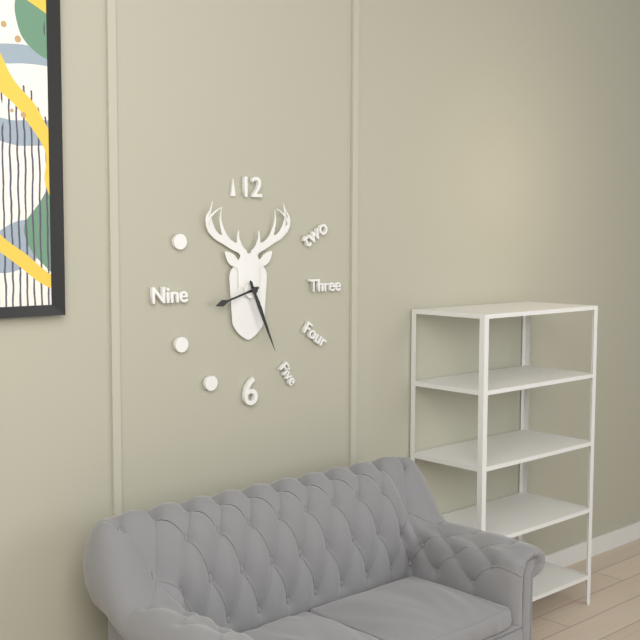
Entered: {"hour": 8, "minute": 26}
